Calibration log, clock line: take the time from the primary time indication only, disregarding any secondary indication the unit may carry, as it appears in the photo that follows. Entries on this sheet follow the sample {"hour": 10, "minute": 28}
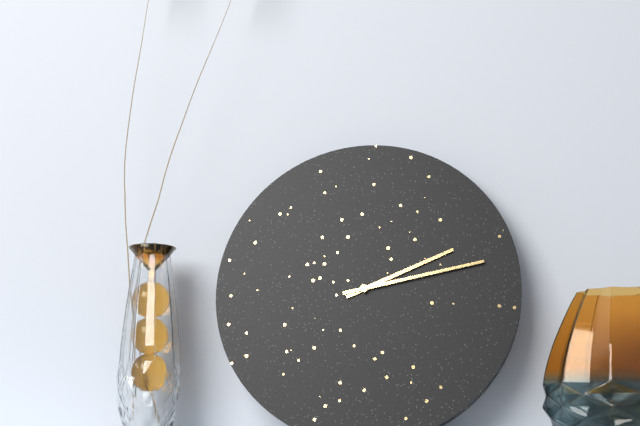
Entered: {"hour": 2, "minute": 13}
